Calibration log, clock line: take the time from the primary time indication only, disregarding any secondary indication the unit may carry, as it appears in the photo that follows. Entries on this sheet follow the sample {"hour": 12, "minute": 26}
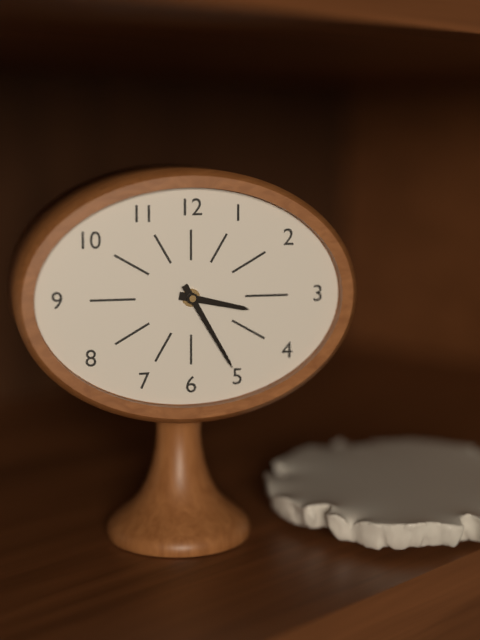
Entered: {"hour": 3, "minute": 25}
